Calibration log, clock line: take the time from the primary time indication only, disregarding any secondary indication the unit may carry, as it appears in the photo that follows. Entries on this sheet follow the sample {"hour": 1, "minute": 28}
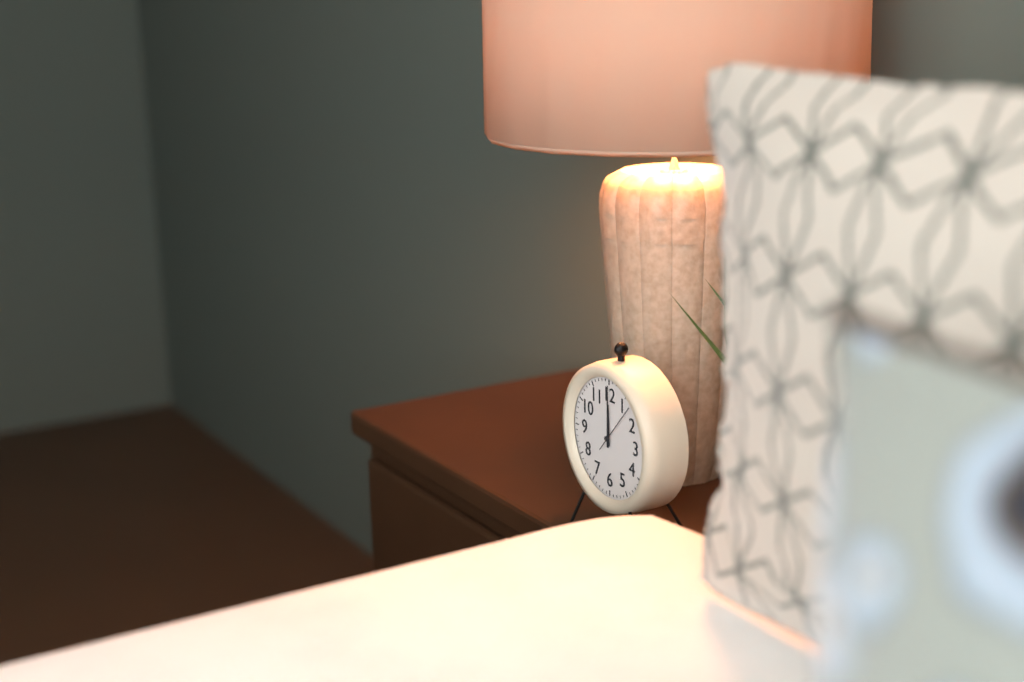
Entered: {"hour": 12, "minute": 0}
